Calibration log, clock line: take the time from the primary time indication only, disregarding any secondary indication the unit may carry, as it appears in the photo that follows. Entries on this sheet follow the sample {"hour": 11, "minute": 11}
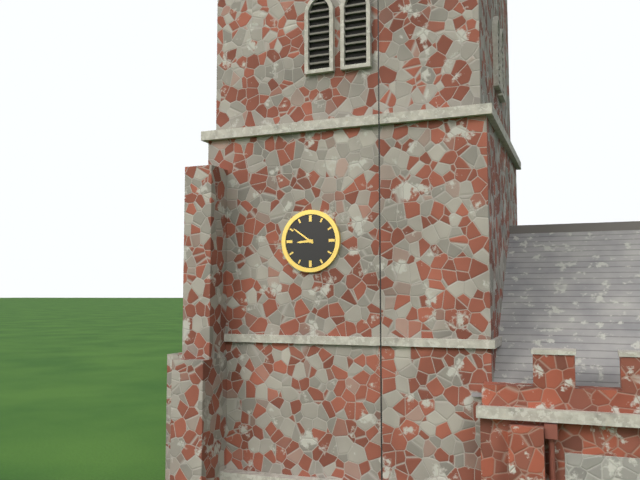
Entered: {"hour": 8, "minute": 51}
